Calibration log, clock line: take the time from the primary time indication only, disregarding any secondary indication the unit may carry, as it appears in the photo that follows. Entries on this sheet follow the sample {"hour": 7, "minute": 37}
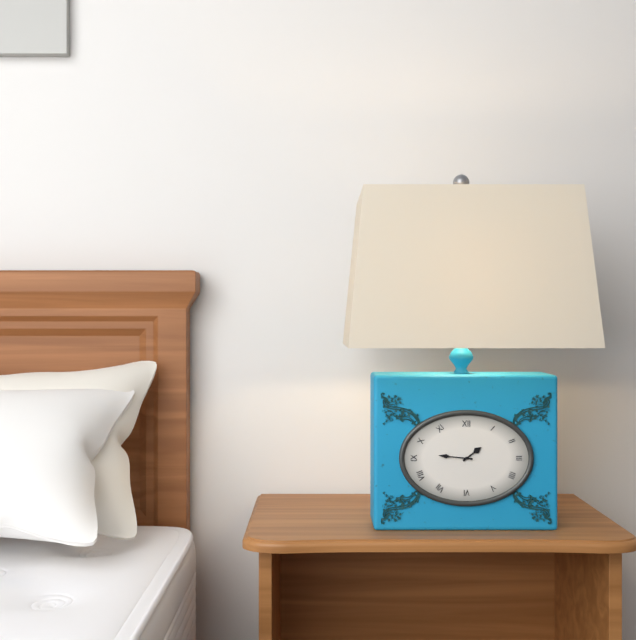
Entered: {"hour": 1, "minute": 46}
